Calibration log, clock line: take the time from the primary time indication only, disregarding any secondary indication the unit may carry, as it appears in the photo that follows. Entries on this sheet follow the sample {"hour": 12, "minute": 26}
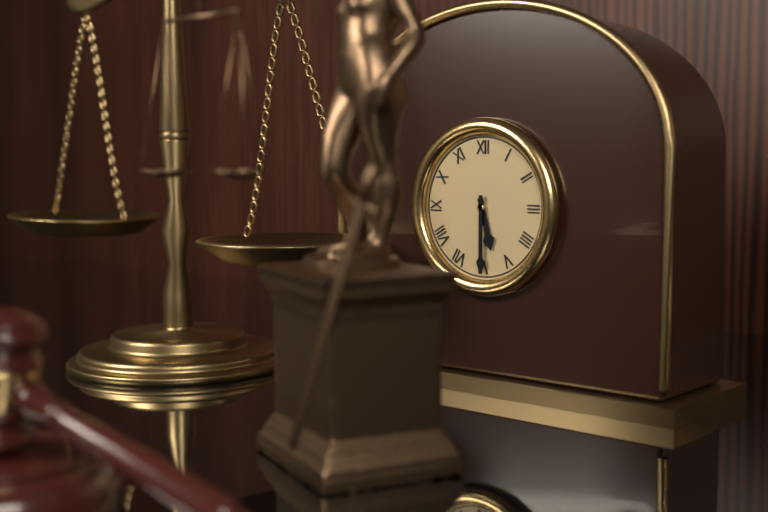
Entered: {"hour": 5, "minute": 30}
